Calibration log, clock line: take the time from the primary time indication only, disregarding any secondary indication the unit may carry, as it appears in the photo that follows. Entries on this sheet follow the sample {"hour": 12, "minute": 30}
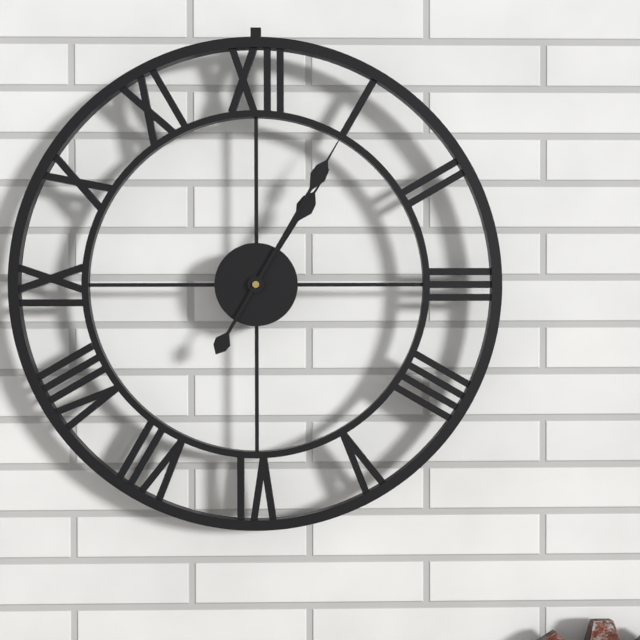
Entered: {"hour": 1, "minute": 5}
